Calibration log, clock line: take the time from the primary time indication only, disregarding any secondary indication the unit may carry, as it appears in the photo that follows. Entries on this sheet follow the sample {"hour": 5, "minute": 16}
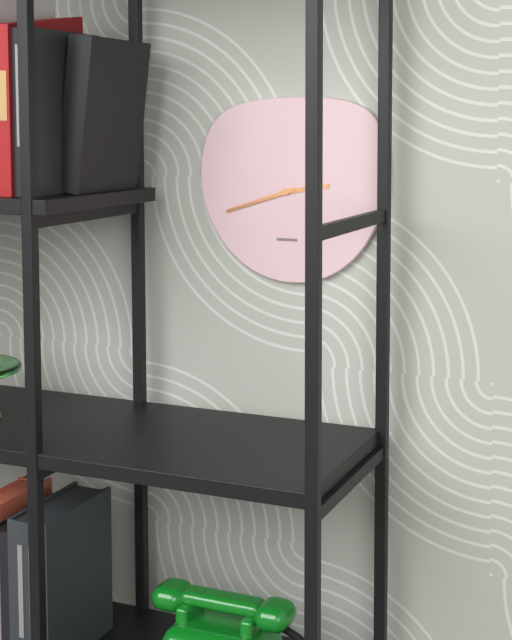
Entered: {"hour": 2, "minute": 42}
